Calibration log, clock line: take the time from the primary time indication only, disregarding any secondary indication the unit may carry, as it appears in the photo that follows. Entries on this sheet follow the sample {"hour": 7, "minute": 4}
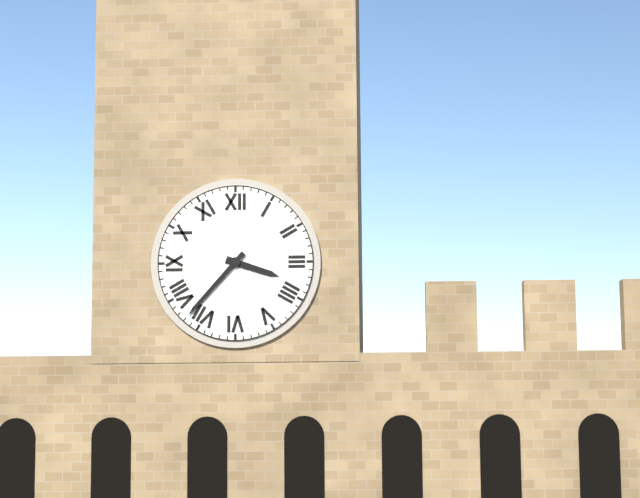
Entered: {"hour": 3, "minute": 37}
